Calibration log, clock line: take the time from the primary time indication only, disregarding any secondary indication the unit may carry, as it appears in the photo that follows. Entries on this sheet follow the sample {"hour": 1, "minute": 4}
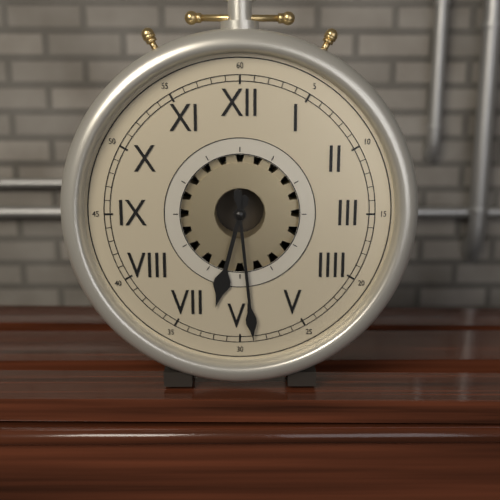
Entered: {"hour": 6, "minute": 29}
